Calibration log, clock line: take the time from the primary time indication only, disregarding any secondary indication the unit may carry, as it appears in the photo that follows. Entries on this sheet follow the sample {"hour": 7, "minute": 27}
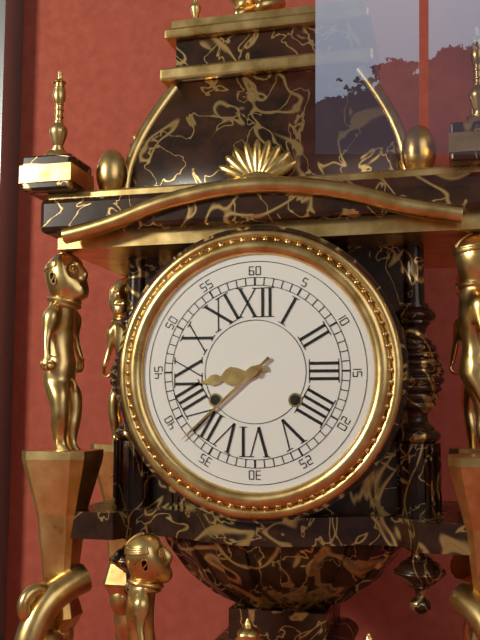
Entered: {"hour": 8, "minute": 38}
